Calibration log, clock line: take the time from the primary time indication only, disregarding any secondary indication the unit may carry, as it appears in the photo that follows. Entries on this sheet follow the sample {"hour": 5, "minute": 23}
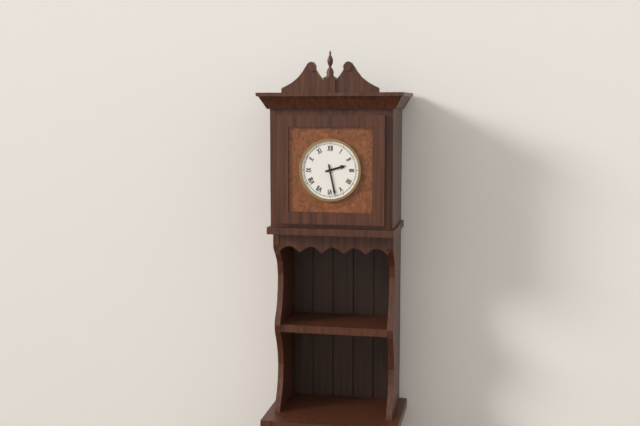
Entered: {"hour": 2, "minute": 28}
